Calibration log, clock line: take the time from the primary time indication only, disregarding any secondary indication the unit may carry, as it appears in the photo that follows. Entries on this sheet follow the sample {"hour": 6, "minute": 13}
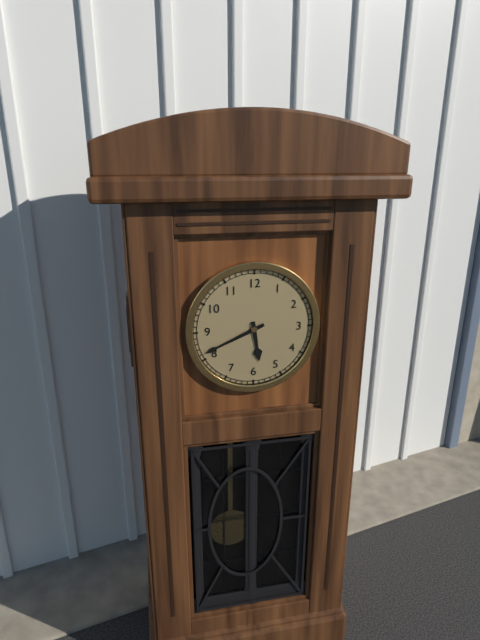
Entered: {"hour": 5, "minute": 41}
